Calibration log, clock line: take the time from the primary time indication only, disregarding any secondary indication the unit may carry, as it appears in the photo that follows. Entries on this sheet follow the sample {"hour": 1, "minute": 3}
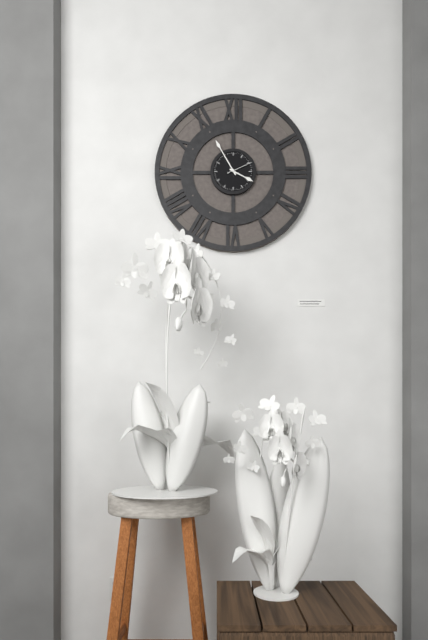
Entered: {"hour": 3, "minute": 55}
